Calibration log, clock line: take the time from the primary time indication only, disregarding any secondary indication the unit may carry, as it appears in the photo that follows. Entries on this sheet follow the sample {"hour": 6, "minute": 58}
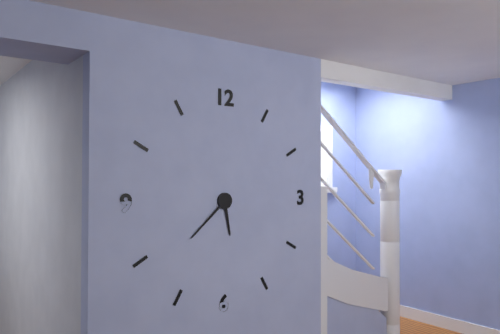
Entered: {"hour": 5, "minute": 38}
